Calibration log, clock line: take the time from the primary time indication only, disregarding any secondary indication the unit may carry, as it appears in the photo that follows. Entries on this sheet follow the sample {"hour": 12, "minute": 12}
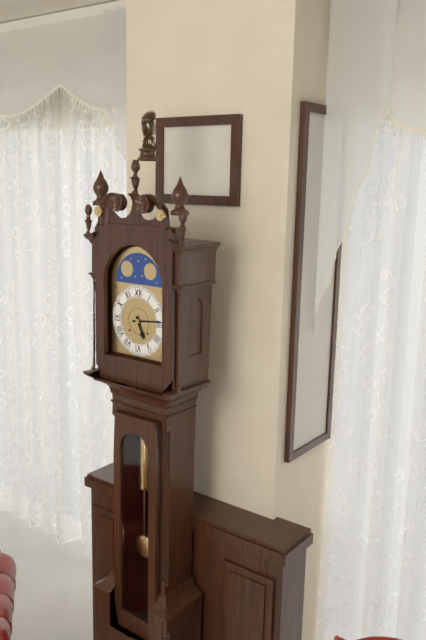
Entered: {"hour": 5, "minute": 14}
